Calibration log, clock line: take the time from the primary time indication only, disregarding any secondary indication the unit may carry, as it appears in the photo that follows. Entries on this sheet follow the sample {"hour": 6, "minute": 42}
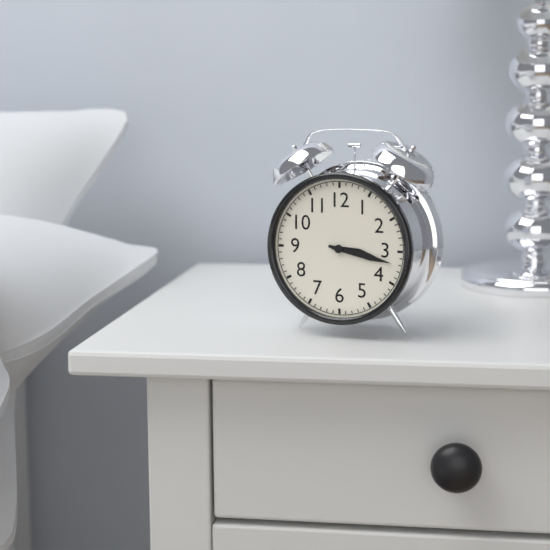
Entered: {"hour": 3, "minute": 17}
